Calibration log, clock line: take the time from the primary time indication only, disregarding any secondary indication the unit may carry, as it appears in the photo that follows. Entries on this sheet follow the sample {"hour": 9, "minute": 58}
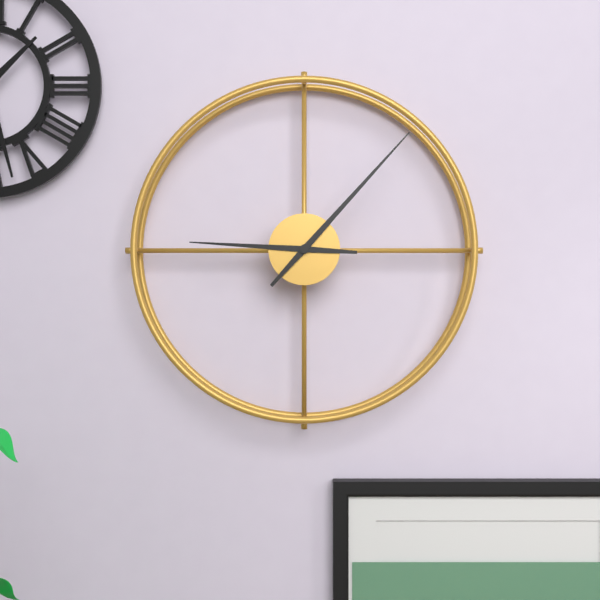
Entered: {"hour": 9, "minute": 7}
